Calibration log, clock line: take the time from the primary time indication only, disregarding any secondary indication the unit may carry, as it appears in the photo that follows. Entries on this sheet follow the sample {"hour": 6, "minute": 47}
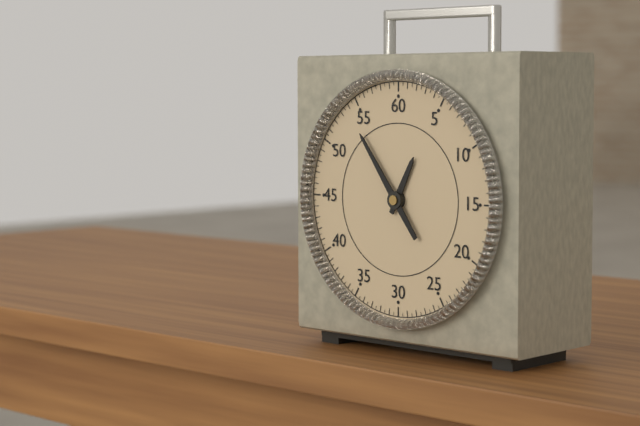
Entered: {"hour": 12, "minute": 54}
